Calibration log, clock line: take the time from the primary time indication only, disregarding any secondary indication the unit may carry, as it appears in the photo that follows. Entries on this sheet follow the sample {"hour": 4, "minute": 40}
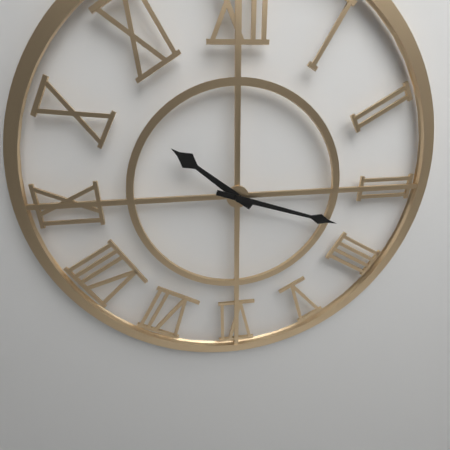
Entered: {"hour": 10, "minute": 18}
